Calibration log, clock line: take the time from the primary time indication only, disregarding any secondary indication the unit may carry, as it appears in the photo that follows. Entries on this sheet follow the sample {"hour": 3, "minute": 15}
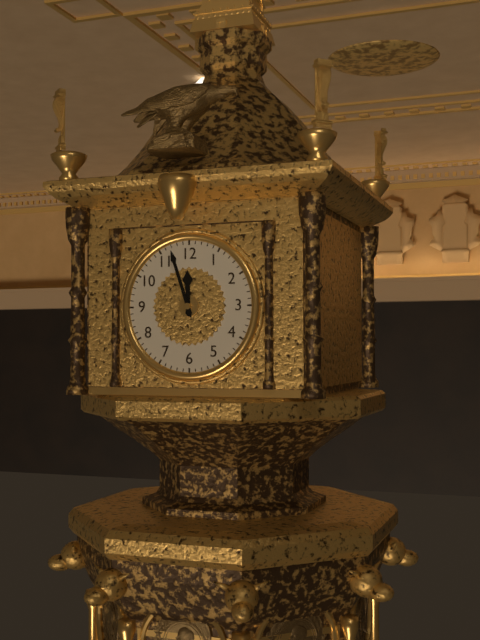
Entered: {"hour": 11, "minute": 57}
